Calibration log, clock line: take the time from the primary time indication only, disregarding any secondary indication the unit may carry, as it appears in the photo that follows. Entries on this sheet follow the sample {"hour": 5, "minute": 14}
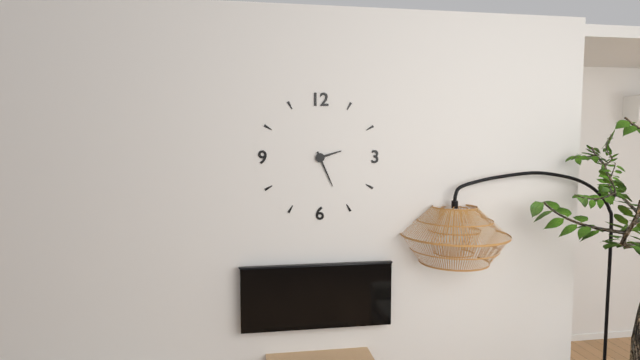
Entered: {"hour": 2, "minute": 26}
